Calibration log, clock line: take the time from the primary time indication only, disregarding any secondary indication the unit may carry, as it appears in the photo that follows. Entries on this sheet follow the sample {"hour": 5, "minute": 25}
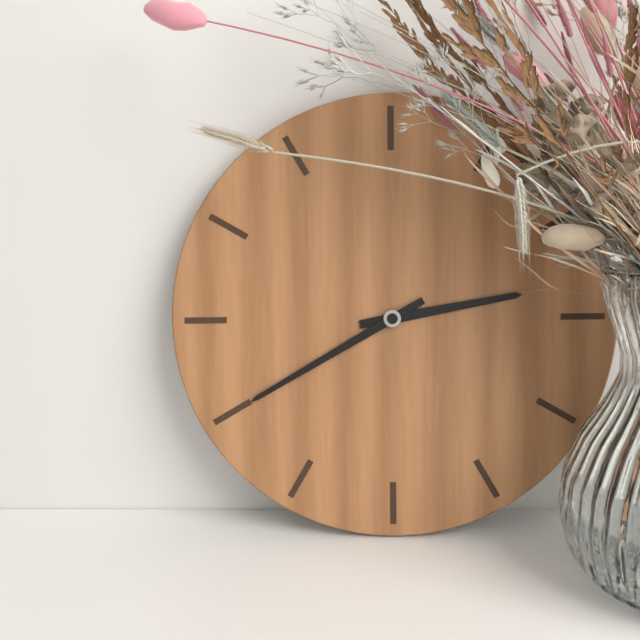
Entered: {"hour": 2, "minute": 40}
